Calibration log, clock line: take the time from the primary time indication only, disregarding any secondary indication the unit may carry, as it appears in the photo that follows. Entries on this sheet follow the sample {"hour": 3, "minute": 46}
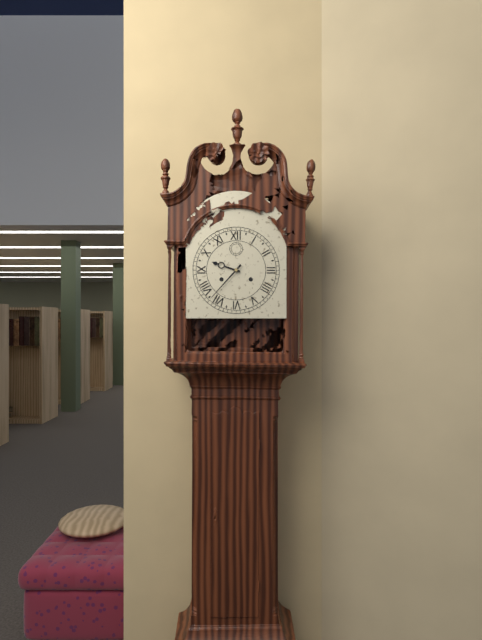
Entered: {"hour": 9, "minute": 37}
